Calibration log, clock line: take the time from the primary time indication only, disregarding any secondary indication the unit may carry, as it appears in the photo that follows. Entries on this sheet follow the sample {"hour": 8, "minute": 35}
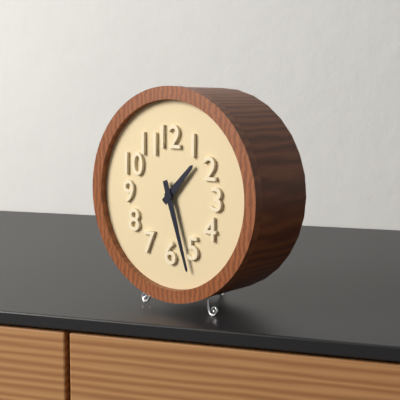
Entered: {"hour": 1, "minute": 27}
